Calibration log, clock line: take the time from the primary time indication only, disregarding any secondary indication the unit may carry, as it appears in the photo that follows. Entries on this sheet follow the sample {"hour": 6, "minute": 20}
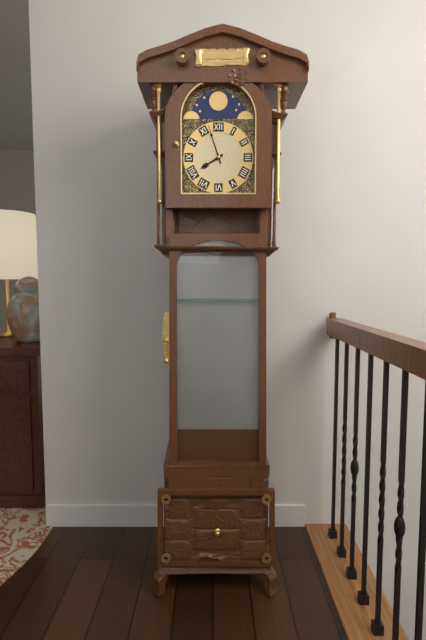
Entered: {"hour": 7, "minute": 57}
